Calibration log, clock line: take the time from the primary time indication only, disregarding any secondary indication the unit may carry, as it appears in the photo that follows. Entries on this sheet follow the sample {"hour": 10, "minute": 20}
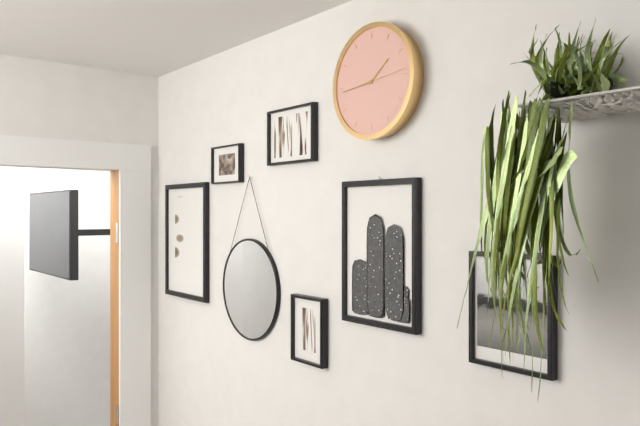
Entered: {"hour": 1, "minute": 44}
